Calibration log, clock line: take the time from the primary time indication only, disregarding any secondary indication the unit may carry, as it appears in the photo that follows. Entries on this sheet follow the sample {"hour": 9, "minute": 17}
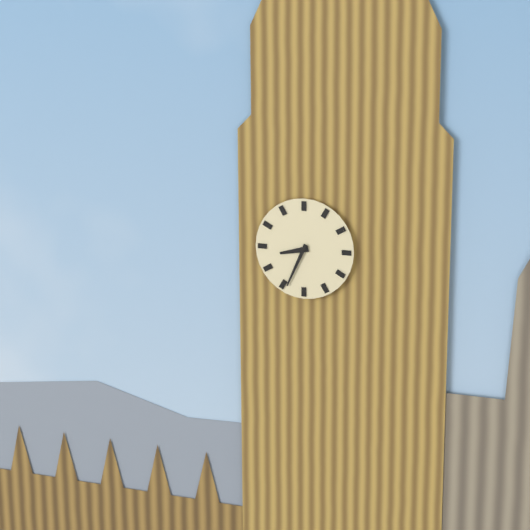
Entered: {"hour": 8, "minute": 34}
